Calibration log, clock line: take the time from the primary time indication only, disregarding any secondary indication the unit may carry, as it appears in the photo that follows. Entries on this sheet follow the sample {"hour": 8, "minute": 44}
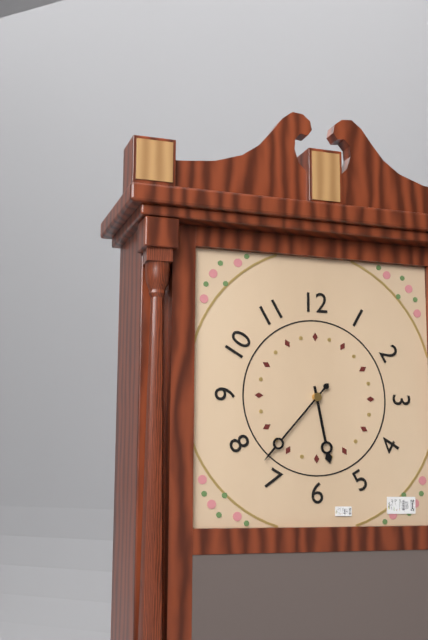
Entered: {"hour": 5, "minute": 37}
